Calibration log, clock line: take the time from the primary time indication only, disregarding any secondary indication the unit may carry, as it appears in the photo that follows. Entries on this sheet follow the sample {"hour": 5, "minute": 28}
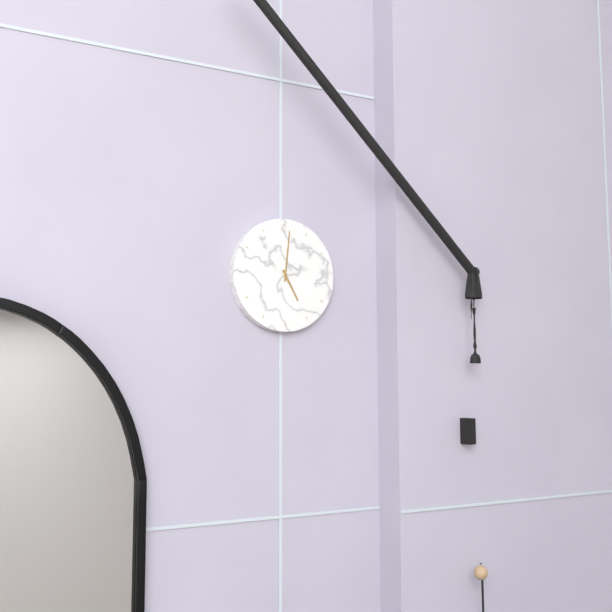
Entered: {"hour": 5, "minute": 1}
